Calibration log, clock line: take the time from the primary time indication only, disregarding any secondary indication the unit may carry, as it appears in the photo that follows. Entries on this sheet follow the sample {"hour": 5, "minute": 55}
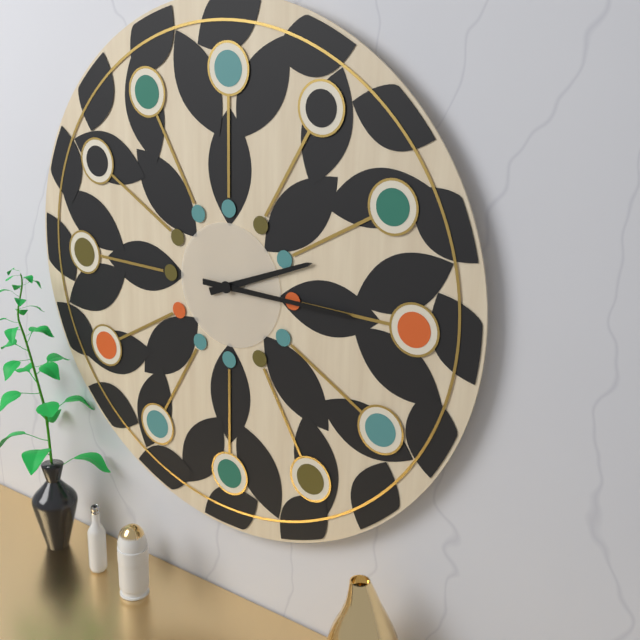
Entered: {"hour": 2, "minute": 15}
